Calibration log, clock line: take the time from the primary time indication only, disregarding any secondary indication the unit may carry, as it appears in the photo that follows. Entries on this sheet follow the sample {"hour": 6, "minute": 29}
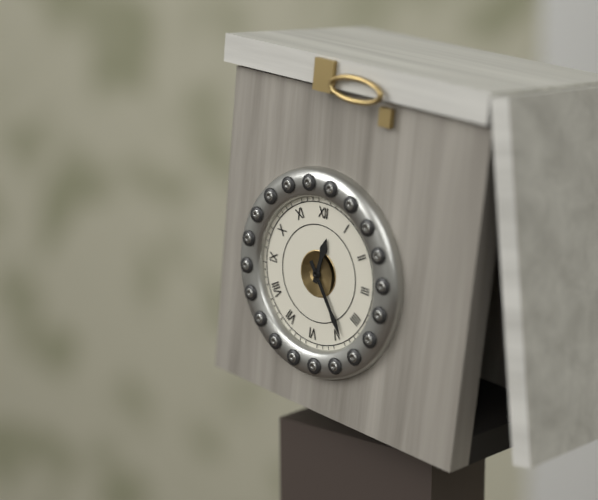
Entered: {"hour": 12, "minute": 24}
